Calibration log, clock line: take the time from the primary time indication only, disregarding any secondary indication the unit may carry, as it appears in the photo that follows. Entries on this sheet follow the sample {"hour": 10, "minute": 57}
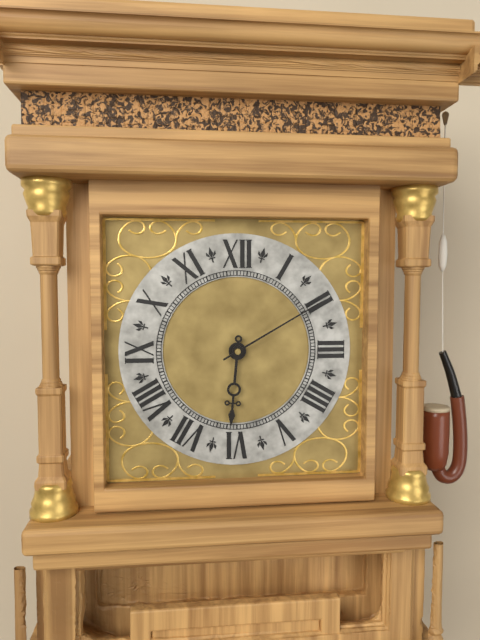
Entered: {"hour": 6, "minute": 10}
